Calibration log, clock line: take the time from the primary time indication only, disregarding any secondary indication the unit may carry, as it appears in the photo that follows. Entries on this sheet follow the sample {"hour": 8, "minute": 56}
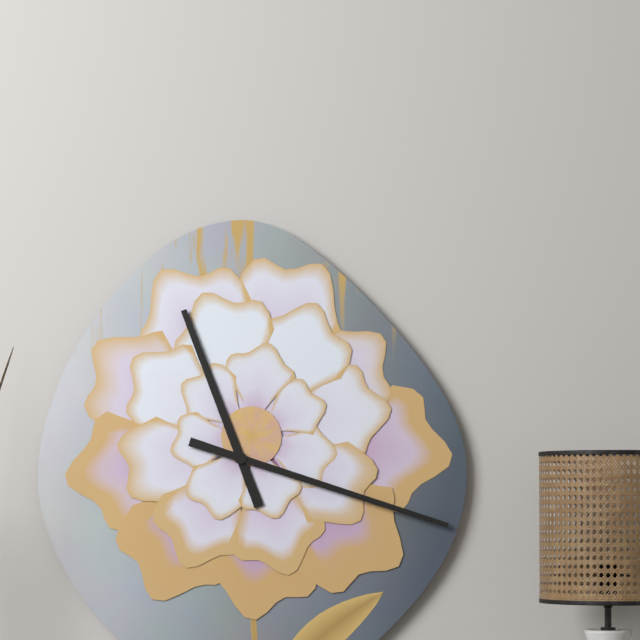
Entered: {"hour": 11, "minute": 18}
